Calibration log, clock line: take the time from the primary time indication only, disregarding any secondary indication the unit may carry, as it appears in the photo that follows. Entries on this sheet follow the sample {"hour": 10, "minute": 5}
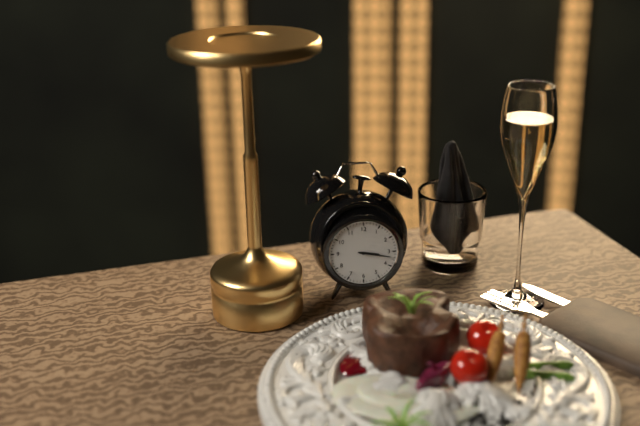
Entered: {"hour": 3, "minute": 17}
